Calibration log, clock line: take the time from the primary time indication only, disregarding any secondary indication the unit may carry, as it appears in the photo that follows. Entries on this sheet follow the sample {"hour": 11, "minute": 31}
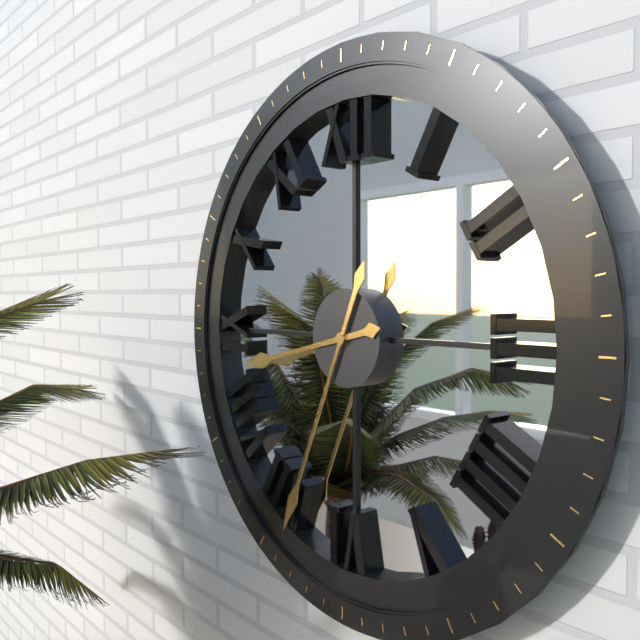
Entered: {"hour": 8, "minute": 34}
